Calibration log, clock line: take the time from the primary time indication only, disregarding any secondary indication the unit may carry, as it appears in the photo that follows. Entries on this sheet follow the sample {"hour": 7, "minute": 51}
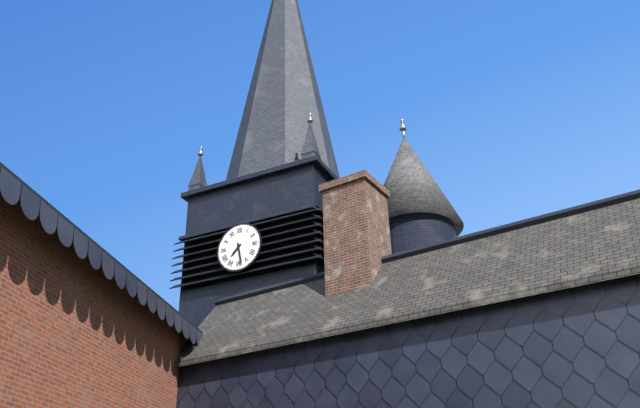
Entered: {"hour": 7, "minute": 28}
